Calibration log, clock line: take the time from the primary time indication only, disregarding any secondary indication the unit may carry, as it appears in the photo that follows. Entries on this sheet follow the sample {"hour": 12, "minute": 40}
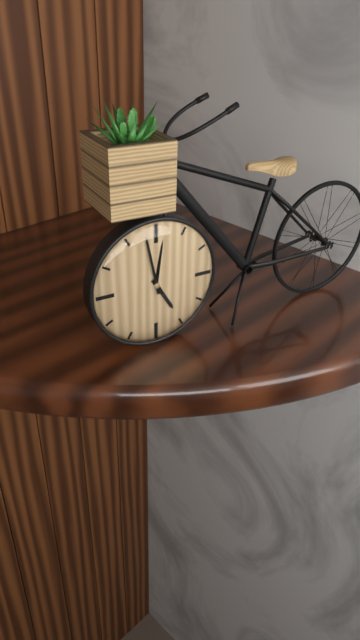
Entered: {"hour": 4, "minute": 58}
